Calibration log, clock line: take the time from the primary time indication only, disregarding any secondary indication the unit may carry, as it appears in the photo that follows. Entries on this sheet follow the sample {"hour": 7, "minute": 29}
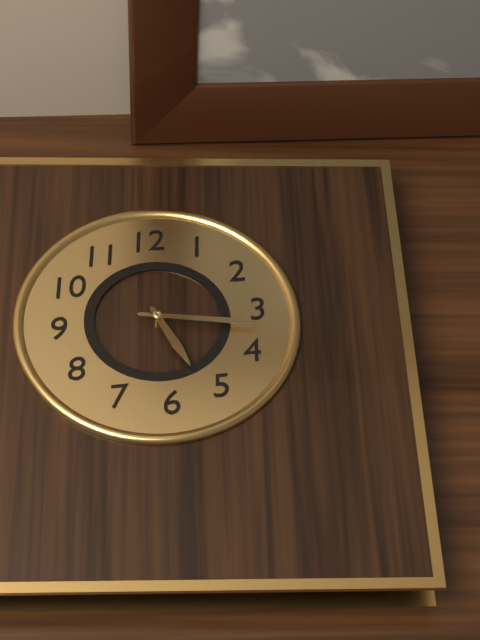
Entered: {"hour": 5, "minute": 17}
